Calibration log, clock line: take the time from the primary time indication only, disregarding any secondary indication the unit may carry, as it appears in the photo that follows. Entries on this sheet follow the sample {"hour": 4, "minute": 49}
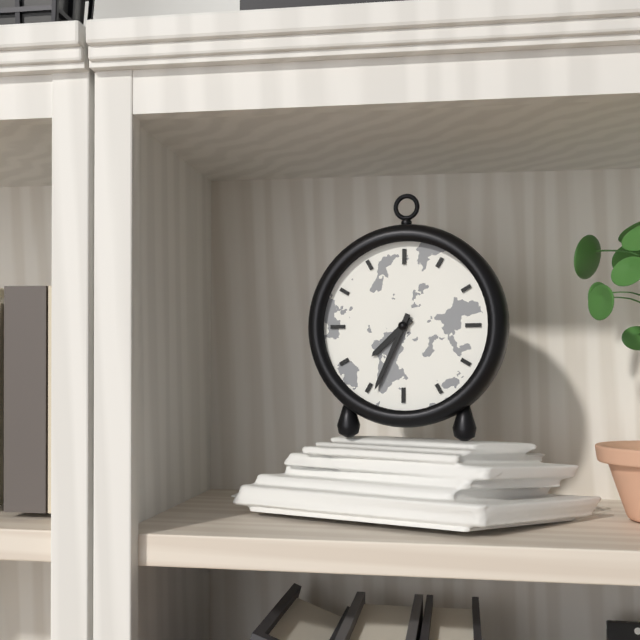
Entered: {"hour": 7, "minute": 34}
